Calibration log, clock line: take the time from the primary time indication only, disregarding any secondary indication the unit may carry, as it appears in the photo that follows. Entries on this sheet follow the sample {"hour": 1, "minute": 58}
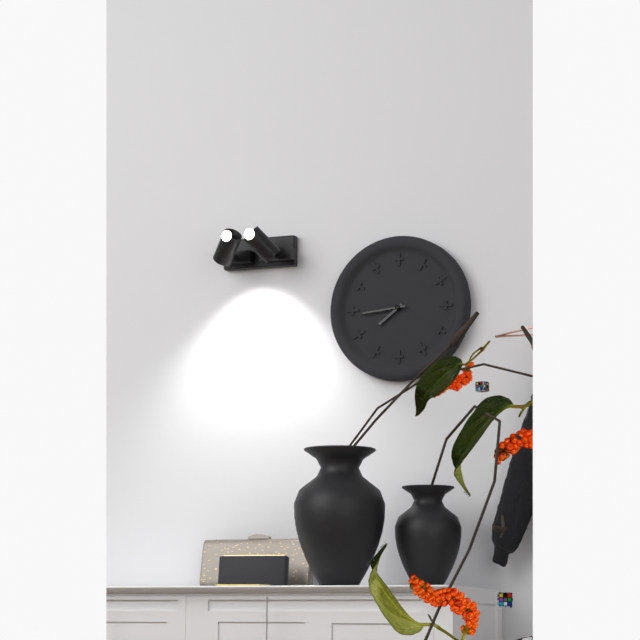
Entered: {"hour": 7, "minute": 44}
